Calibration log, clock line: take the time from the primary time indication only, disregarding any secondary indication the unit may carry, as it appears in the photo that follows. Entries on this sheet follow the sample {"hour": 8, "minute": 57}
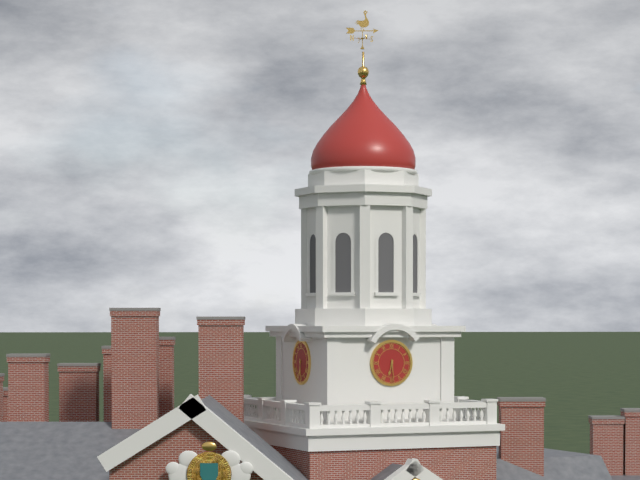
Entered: {"hour": 6, "minute": 29}
